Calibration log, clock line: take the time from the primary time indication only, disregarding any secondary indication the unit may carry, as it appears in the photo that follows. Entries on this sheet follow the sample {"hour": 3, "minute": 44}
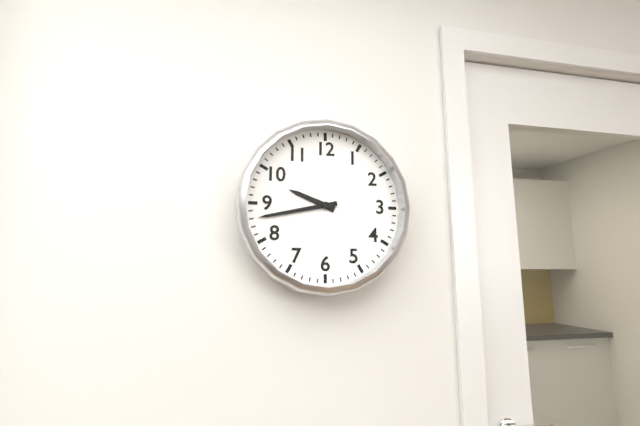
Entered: {"hour": 9, "minute": 43}
